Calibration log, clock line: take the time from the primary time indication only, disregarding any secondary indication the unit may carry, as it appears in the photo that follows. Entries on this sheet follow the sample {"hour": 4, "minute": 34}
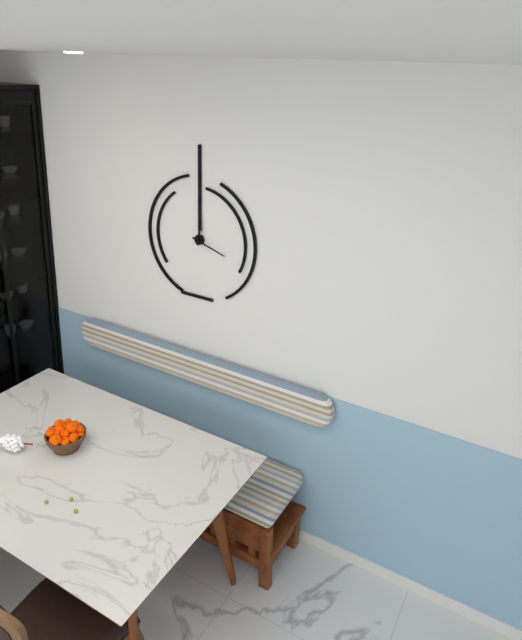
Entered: {"hour": 12, "minute": 18}
